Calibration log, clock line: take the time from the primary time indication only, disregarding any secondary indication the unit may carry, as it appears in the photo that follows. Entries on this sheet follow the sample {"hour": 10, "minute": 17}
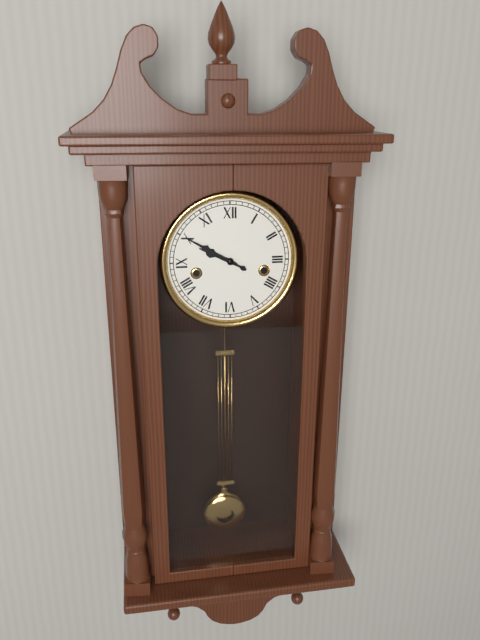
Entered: {"hour": 9, "minute": 50}
